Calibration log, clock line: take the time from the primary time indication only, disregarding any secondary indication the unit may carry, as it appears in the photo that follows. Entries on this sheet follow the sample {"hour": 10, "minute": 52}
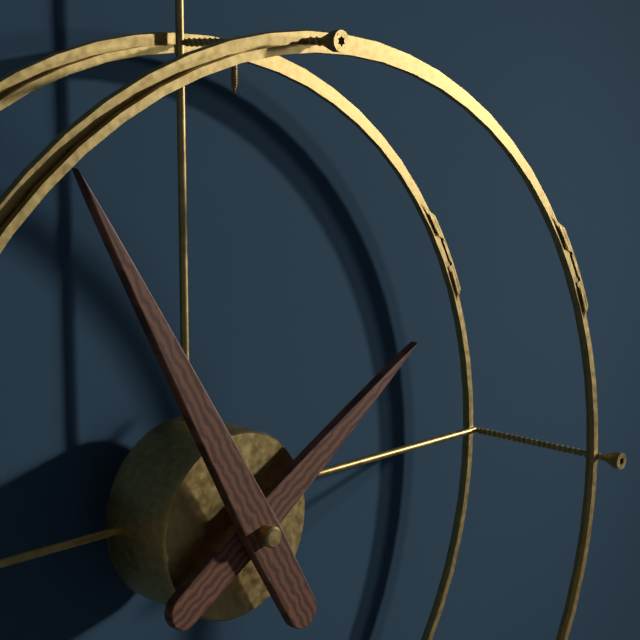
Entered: {"hour": 1, "minute": 55}
